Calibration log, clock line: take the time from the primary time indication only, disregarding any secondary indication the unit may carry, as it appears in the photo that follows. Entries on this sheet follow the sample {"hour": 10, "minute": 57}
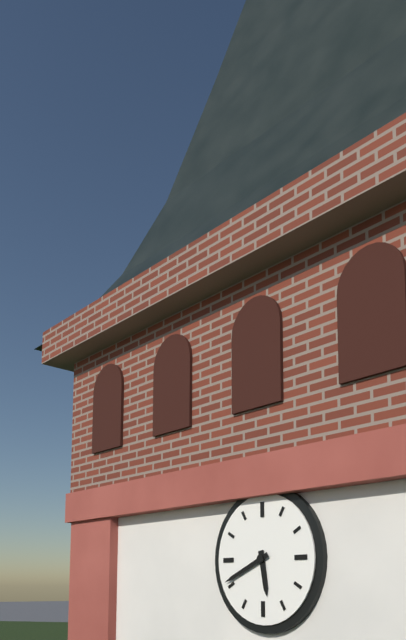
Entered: {"hour": 5, "minute": 41}
